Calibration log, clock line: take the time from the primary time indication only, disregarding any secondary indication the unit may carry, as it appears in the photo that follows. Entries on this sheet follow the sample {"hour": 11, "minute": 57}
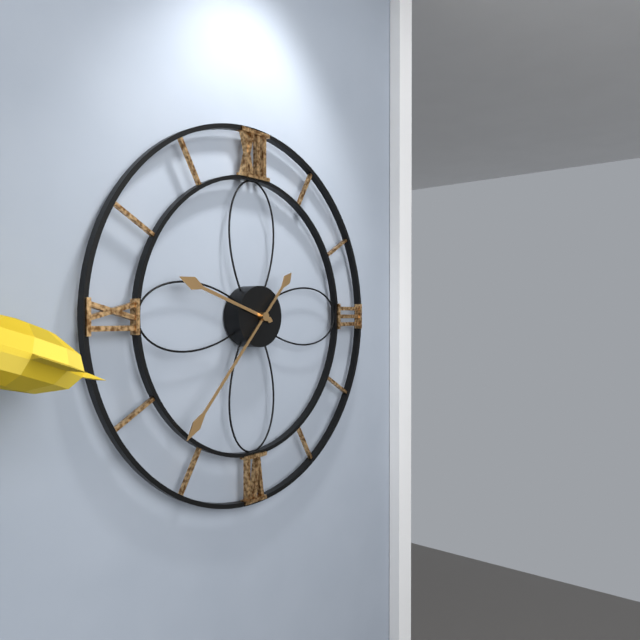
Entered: {"hour": 9, "minute": 37}
